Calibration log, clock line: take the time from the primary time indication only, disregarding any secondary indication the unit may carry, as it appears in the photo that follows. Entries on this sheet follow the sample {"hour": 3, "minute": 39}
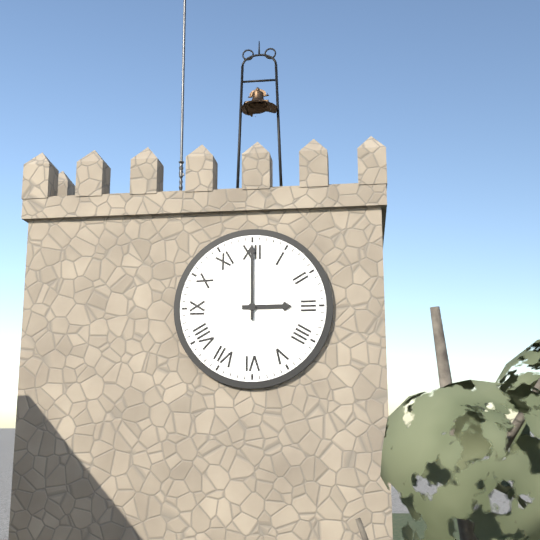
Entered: {"hour": 3, "minute": 0}
